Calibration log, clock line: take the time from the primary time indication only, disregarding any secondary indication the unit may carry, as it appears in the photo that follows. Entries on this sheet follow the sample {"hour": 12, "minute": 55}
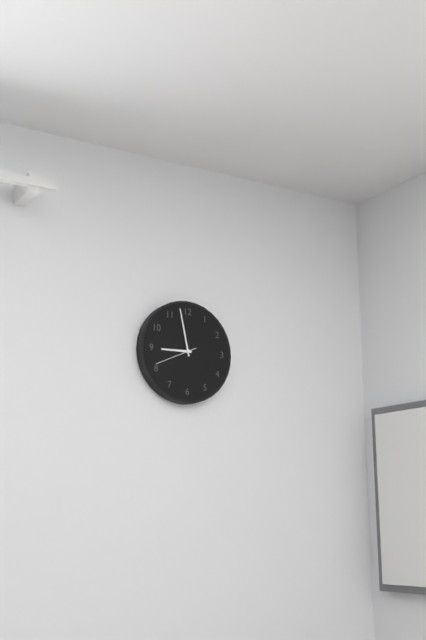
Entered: {"hour": 8, "minute": 58}
